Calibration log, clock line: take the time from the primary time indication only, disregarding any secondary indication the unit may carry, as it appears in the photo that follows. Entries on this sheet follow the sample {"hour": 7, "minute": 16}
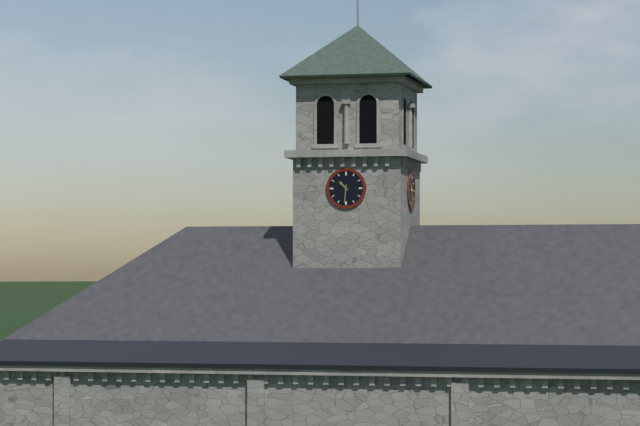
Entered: {"hour": 10, "minute": 31}
